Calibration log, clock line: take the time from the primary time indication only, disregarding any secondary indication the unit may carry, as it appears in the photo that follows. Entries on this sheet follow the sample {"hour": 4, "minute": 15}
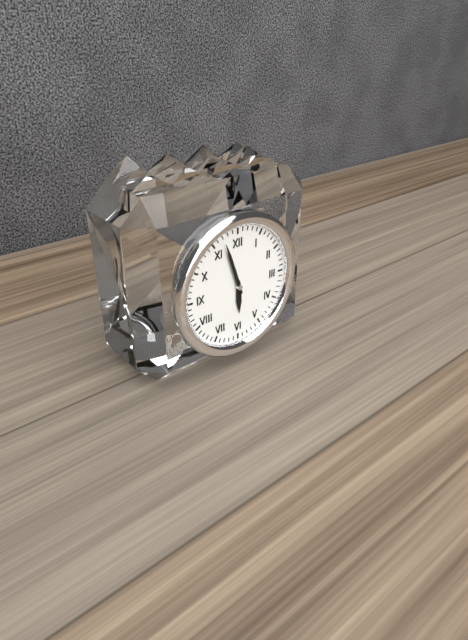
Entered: {"hour": 5, "minute": 57}
